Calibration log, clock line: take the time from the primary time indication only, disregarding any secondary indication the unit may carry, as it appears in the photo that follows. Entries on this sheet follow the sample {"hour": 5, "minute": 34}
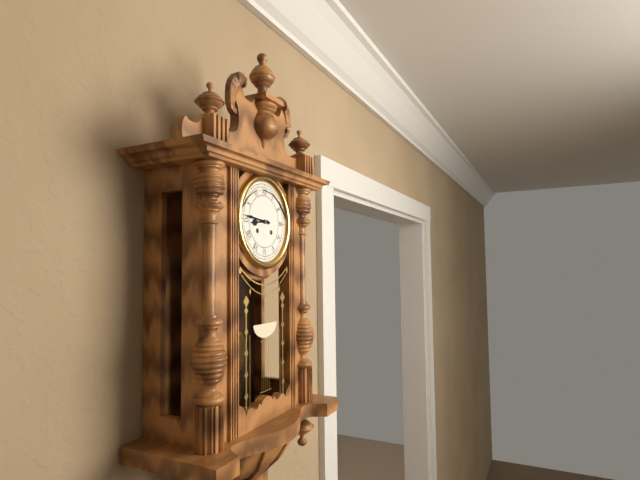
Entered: {"hour": 8, "minute": 46}
